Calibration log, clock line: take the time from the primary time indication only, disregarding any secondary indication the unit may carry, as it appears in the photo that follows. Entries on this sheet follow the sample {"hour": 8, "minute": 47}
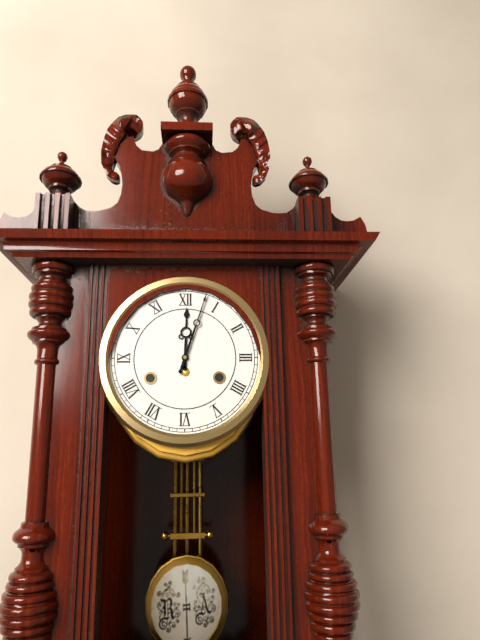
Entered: {"hour": 12, "minute": 3}
